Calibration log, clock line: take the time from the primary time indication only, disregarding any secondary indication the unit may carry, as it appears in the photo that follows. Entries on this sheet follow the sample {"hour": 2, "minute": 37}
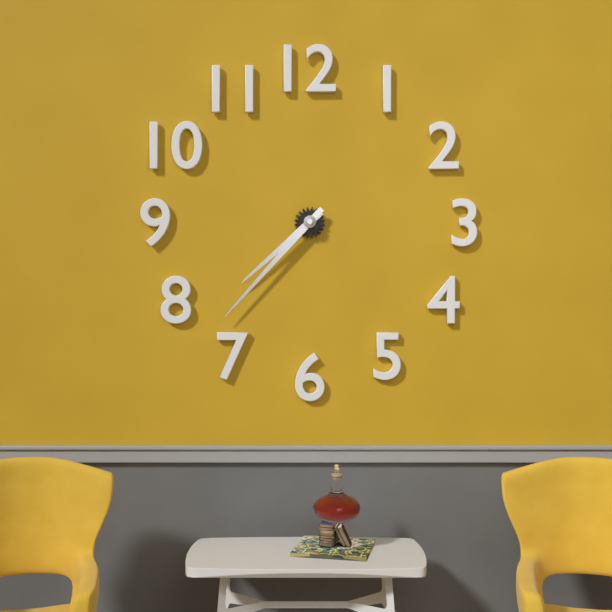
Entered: {"hour": 7, "minute": 37}
